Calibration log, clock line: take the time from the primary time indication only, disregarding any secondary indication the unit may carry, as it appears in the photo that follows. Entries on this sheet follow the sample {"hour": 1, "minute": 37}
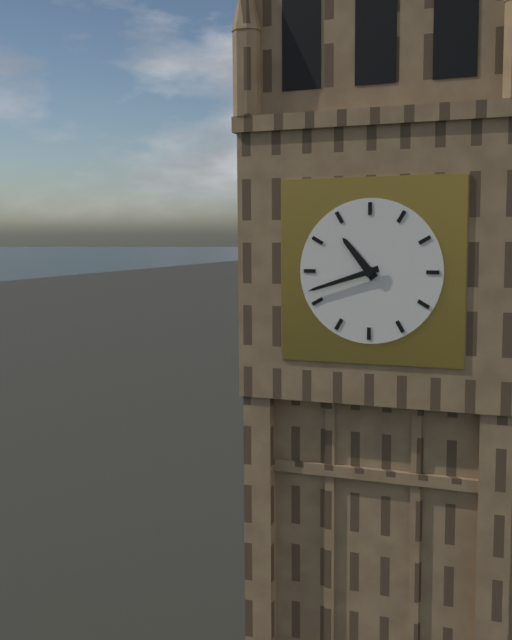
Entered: {"hour": 10, "minute": 42}
